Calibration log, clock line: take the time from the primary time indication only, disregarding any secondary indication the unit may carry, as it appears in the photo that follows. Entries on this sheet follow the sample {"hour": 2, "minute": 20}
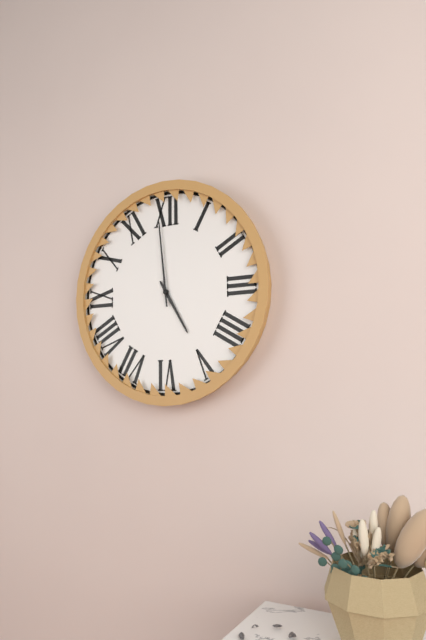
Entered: {"hour": 4, "minute": 59}
